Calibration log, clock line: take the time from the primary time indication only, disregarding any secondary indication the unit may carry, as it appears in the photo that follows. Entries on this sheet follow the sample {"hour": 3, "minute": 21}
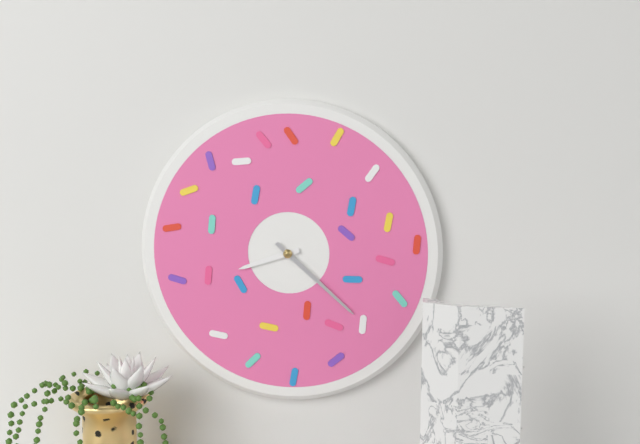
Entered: {"hour": 8, "minute": 22}
